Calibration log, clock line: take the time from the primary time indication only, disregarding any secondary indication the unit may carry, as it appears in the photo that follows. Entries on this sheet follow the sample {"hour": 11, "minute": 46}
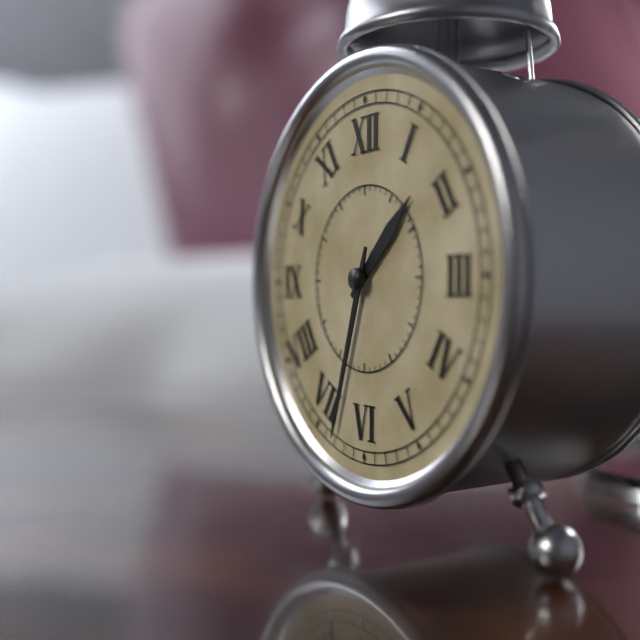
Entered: {"hour": 1, "minute": 33}
